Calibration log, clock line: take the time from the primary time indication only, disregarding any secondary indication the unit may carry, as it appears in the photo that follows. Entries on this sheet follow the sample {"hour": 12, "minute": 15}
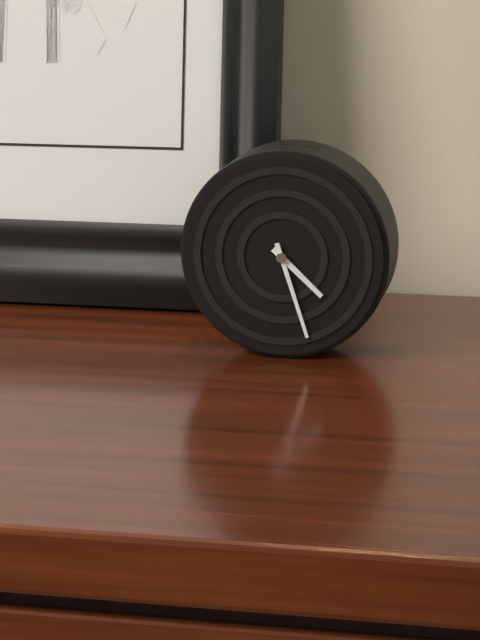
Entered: {"hour": 4, "minute": 27}
